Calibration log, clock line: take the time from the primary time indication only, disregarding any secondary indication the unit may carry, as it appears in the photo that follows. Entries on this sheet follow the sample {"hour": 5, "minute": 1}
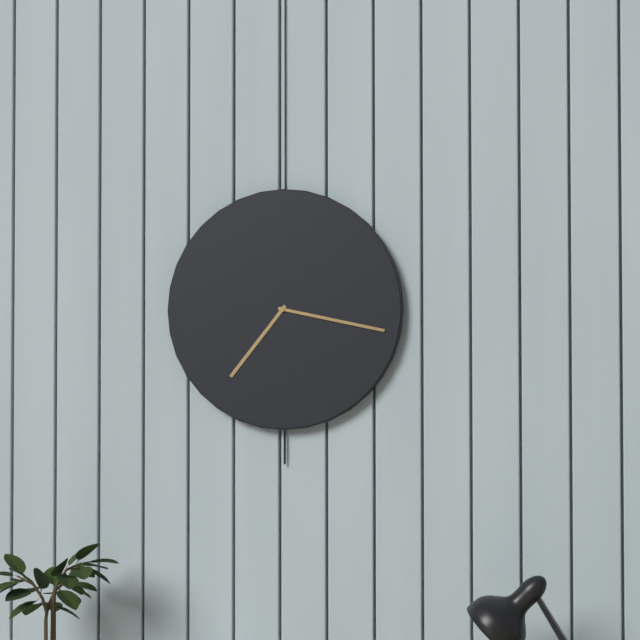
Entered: {"hour": 7, "minute": 17}
